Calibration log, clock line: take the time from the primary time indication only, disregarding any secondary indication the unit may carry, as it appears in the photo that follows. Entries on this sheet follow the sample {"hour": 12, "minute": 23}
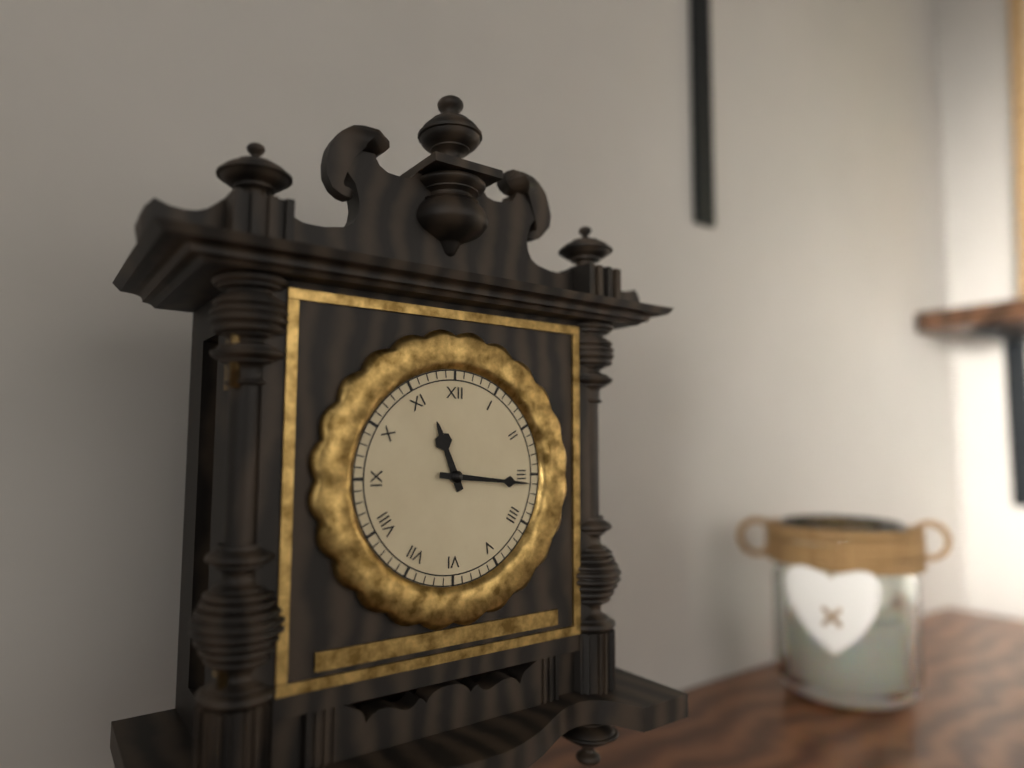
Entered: {"hour": 11, "minute": 16}
